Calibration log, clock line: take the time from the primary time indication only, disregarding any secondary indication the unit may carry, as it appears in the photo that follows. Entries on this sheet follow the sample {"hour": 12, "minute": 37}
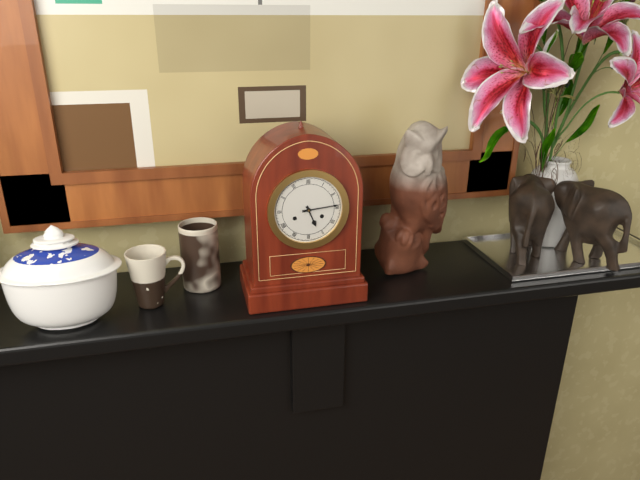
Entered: {"hour": 5, "minute": 14}
